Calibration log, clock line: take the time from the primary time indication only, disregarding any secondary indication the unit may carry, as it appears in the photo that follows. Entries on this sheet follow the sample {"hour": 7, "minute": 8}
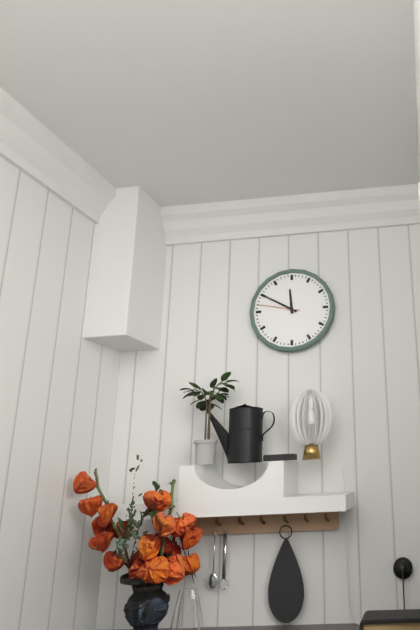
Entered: {"hour": 11, "minute": 50}
